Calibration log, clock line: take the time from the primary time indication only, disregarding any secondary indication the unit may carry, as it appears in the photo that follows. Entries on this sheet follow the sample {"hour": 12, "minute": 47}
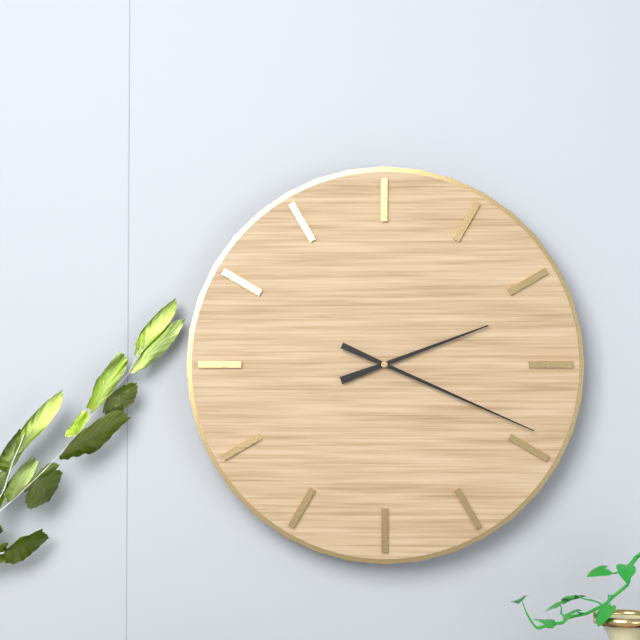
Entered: {"hour": 2, "minute": 19}
